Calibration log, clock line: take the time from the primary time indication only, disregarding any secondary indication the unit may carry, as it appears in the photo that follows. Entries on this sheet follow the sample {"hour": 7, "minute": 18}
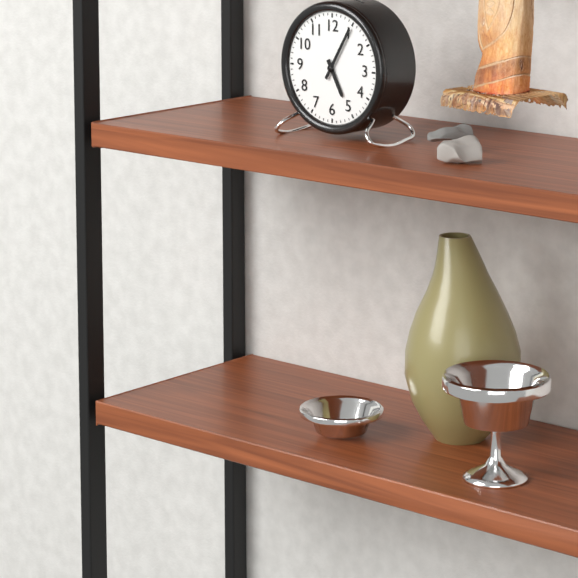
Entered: {"hour": 5, "minute": 5}
